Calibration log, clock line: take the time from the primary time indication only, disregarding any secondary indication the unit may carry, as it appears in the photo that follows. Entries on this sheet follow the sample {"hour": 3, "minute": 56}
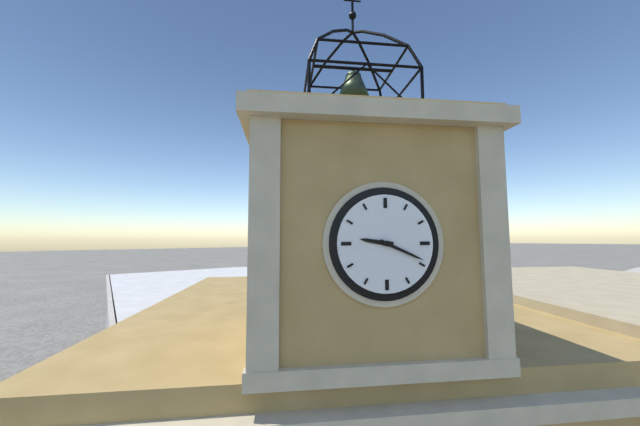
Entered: {"hour": 9, "minute": 19}
